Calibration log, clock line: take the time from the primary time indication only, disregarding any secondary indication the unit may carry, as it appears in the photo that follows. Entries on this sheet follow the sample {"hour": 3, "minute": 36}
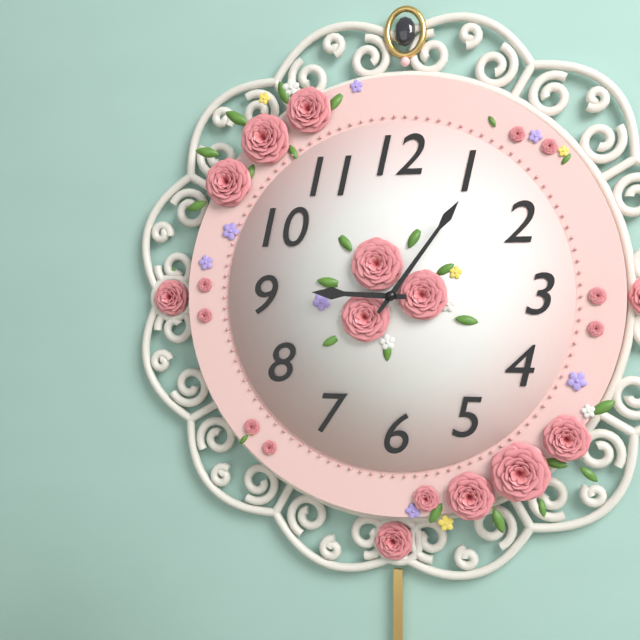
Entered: {"hour": 9, "minute": 6}
